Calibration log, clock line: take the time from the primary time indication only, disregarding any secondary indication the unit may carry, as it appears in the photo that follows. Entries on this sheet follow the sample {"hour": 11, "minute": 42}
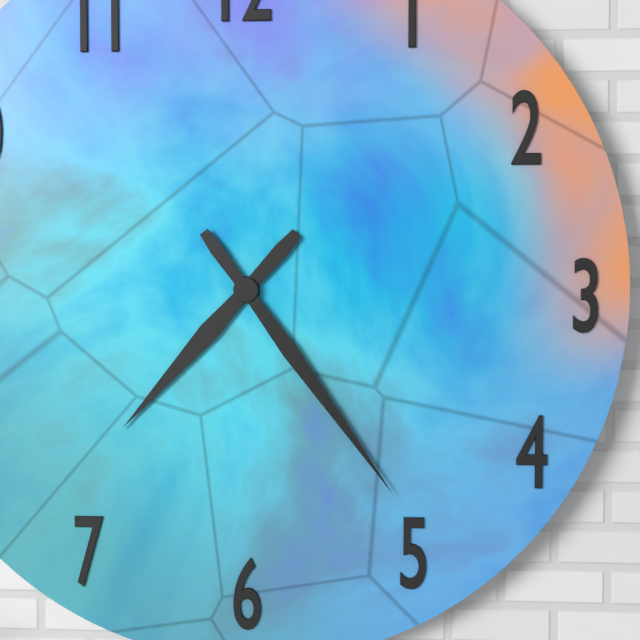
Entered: {"hour": 7, "minute": 24}
